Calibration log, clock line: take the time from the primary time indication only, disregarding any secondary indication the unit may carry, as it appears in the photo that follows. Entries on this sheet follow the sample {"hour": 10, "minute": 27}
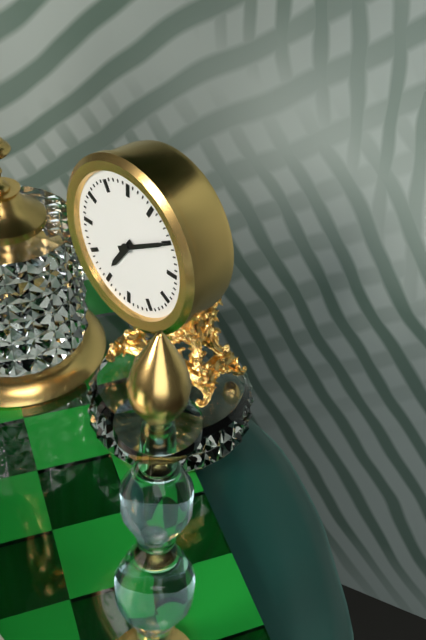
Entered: {"hour": 7, "minute": 10}
